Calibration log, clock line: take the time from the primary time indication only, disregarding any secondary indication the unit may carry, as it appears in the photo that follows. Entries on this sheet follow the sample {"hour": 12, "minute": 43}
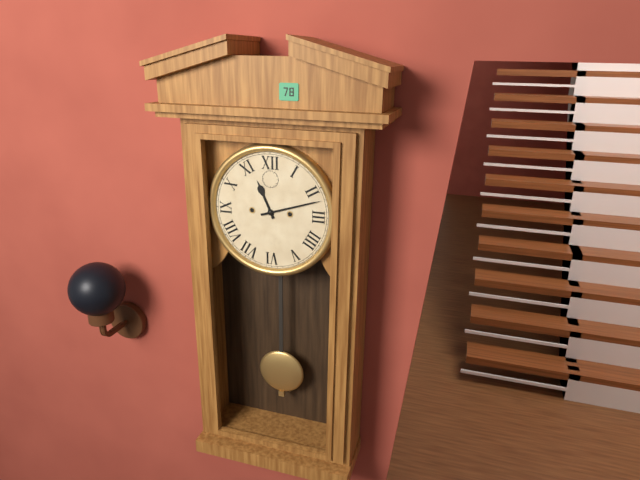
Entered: {"hour": 11, "minute": 12}
